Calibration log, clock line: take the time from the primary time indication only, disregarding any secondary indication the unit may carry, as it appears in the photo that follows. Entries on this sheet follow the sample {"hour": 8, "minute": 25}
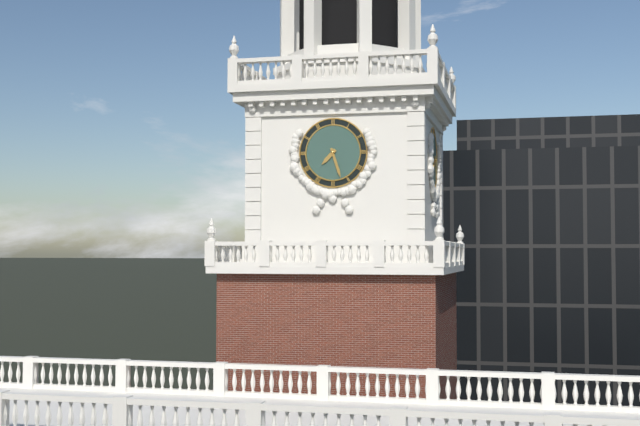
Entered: {"hour": 7, "minute": 27}
